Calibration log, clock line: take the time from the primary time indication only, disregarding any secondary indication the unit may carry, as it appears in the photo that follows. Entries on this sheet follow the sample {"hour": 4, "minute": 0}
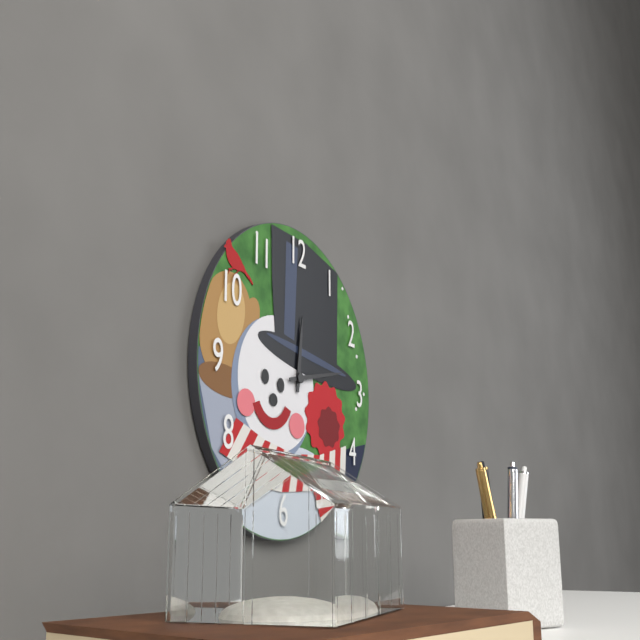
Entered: {"hour": 12, "minute": 13}
